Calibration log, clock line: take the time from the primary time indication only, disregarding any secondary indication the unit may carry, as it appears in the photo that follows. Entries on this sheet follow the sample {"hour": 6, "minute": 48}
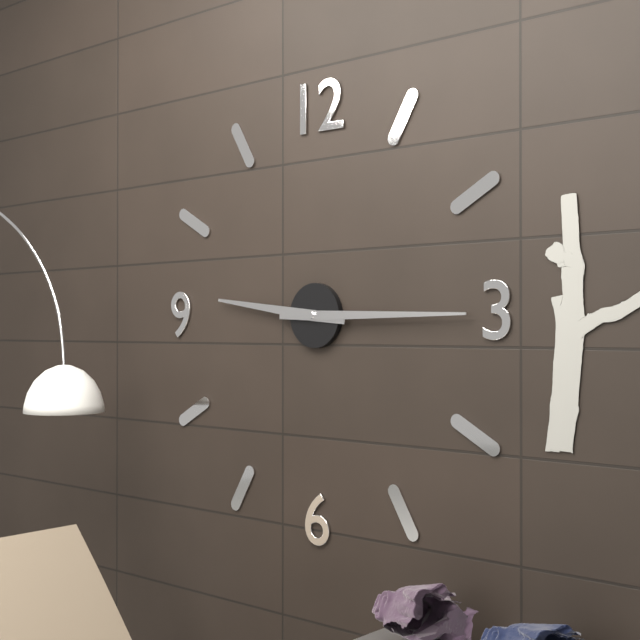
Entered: {"hour": 9, "minute": 15}
